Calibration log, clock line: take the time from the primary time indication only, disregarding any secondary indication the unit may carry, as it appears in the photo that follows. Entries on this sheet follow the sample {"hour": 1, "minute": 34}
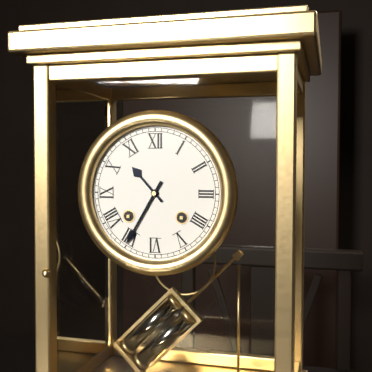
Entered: {"hour": 10, "minute": 35}
